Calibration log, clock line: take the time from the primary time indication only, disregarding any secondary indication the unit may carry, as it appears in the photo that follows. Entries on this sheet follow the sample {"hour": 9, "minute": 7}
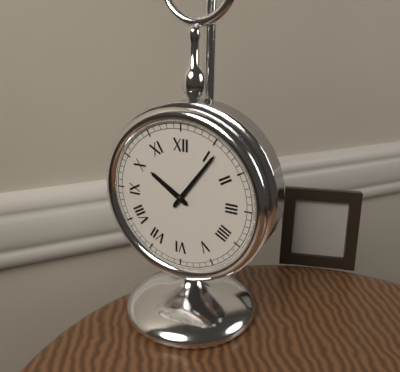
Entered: {"hour": 10, "minute": 6}
